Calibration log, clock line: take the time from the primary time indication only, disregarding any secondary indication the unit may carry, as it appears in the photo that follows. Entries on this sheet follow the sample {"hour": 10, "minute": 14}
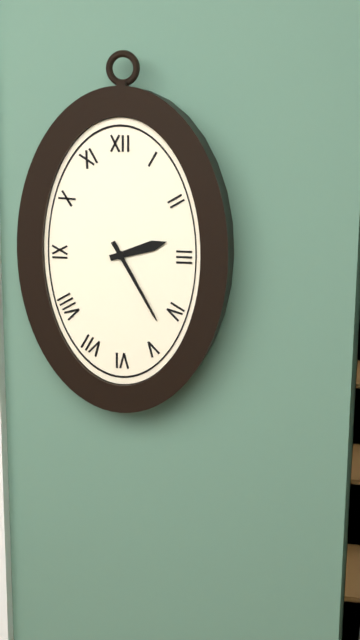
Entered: {"hour": 2, "minute": 25}
